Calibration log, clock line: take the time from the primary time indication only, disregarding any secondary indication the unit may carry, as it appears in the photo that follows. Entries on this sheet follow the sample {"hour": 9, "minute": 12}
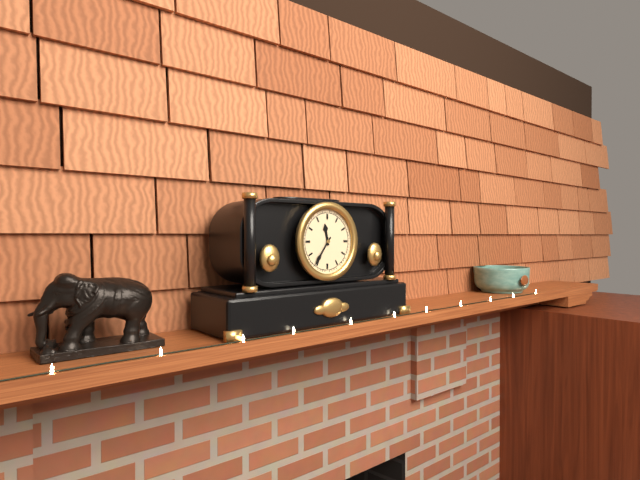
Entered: {"hour": 11, "minute": 36}
